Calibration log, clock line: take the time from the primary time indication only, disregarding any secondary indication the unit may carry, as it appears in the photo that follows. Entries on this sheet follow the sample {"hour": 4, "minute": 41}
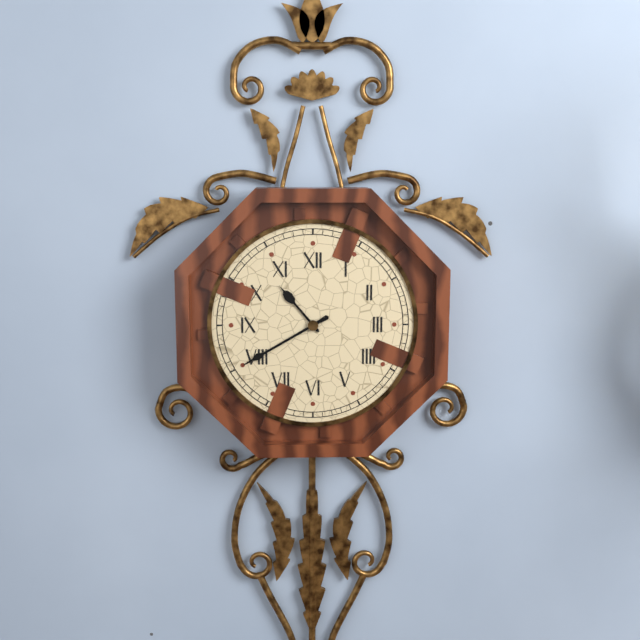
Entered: {"hour": 10, "minute": 40}
